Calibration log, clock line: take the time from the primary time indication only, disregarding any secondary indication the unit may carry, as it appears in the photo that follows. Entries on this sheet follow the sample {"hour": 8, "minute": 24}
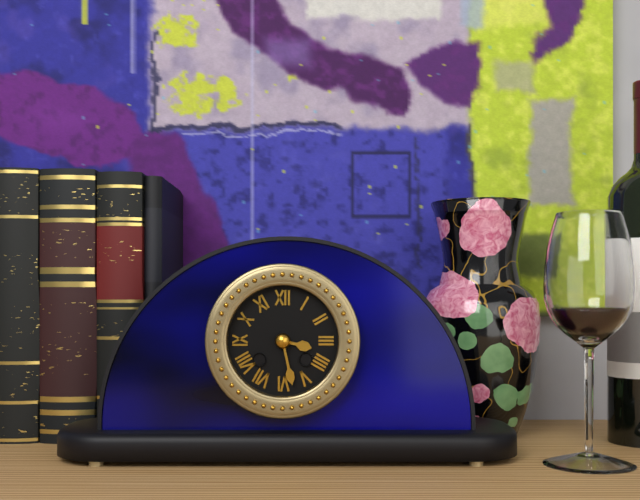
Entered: {"hour": 3, "minute": 28}
